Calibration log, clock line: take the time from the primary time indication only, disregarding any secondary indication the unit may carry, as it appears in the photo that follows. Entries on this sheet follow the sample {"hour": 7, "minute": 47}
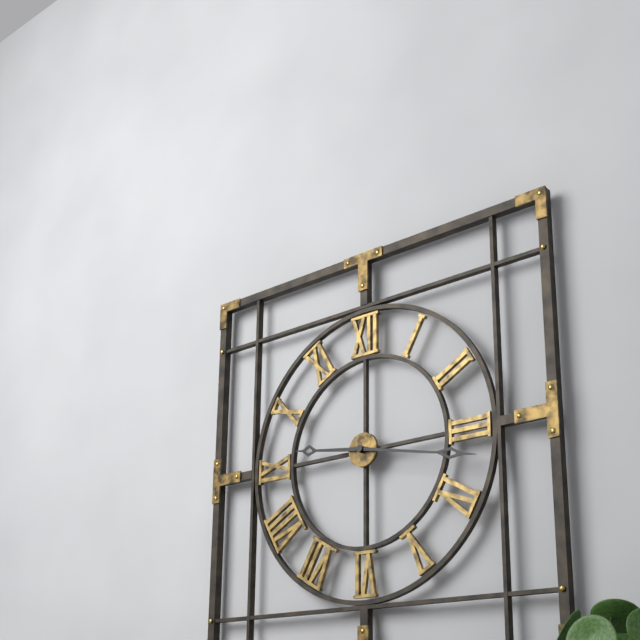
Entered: {"hour": 9, "minute": 17}
